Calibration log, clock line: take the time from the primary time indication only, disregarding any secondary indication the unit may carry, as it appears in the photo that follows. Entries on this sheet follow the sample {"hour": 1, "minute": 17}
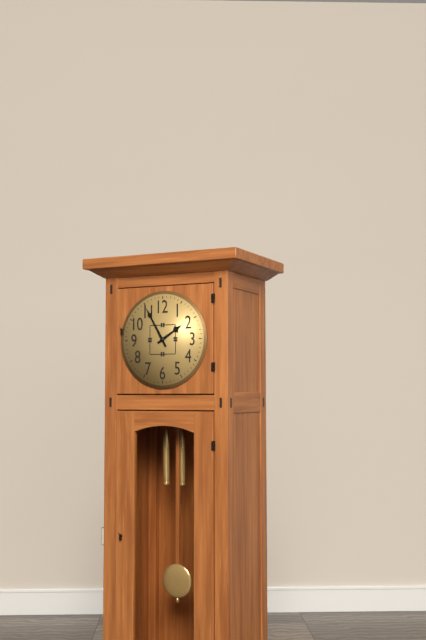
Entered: {"hour": 1, "minute": 55}
